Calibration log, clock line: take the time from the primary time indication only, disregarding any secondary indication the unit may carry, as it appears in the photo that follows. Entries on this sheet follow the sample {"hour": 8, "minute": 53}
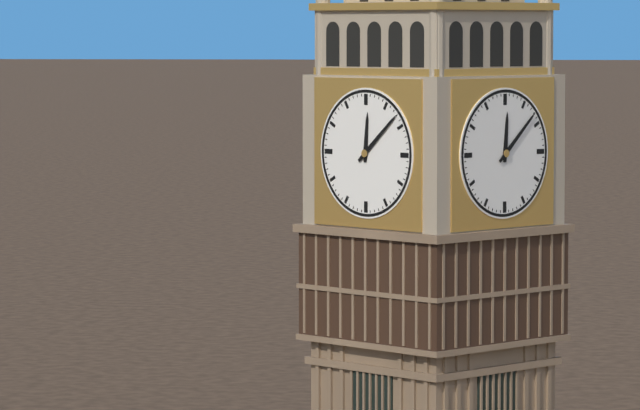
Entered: {"hour": 12, "minute": 8}
